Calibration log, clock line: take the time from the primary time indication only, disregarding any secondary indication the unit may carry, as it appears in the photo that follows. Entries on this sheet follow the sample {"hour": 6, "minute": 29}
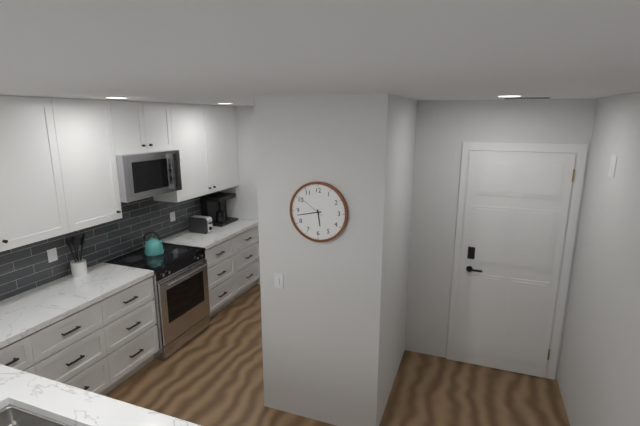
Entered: {"hour": 5, "minute": 43}
